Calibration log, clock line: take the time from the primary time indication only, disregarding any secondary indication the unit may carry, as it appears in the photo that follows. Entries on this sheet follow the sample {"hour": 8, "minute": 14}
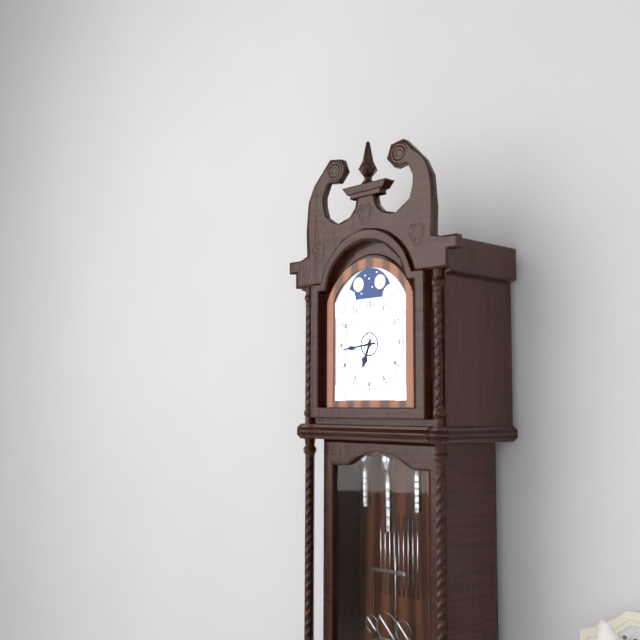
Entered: {"hour": 6, "minute": 44}
